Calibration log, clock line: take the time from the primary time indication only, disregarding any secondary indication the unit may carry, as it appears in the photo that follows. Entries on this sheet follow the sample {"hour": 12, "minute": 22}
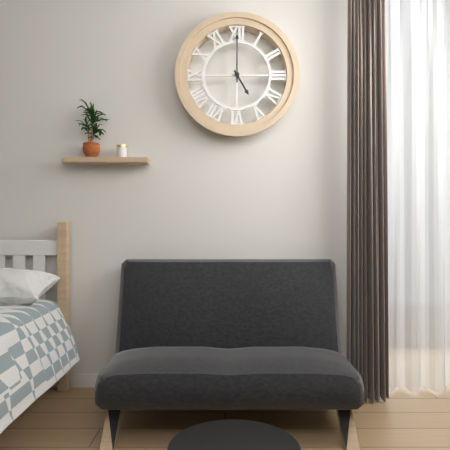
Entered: {"hour": 5, "minute": 0}
